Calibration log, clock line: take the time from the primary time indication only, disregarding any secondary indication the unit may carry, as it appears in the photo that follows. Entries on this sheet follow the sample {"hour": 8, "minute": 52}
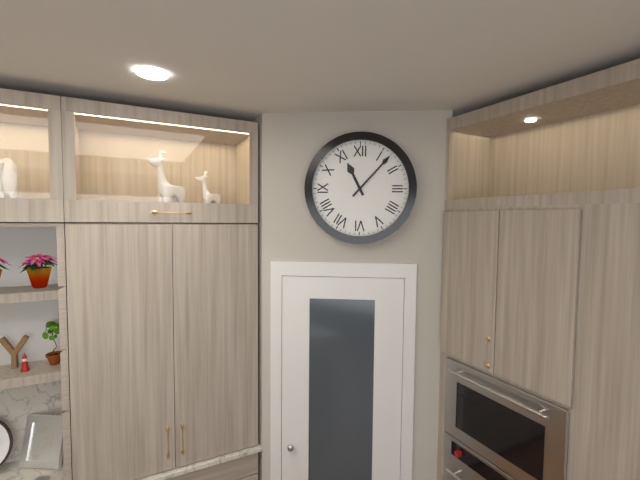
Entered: {"hour": 11, "minute": 7}
